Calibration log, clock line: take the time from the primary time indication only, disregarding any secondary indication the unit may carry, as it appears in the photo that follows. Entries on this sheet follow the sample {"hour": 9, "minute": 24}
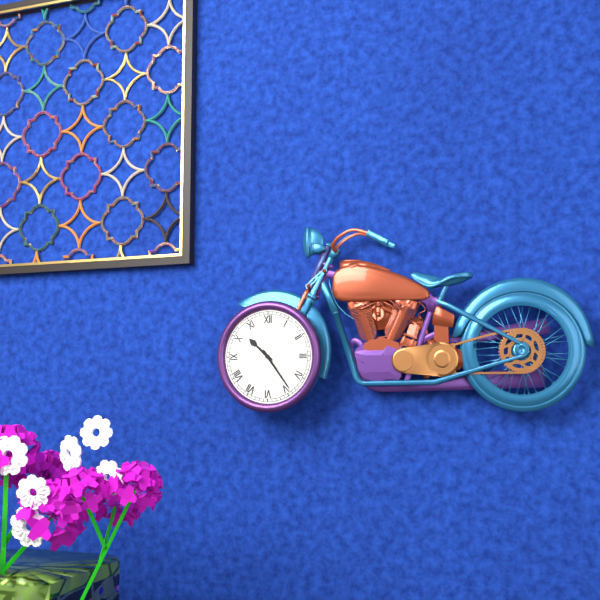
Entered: {"hour": 10, "minute": 24}
